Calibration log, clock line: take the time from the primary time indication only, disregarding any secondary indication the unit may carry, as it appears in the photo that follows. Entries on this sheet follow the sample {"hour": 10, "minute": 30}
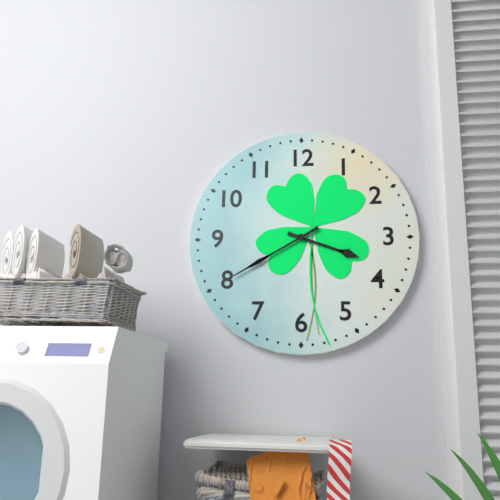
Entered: {"hour": 3, "minute": 40}
